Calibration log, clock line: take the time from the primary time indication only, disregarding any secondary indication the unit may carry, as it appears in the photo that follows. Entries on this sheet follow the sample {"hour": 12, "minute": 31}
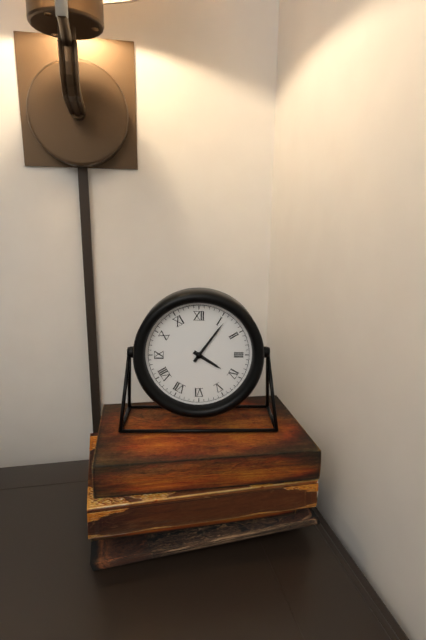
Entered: {"hour": 4, "minute": 6}
